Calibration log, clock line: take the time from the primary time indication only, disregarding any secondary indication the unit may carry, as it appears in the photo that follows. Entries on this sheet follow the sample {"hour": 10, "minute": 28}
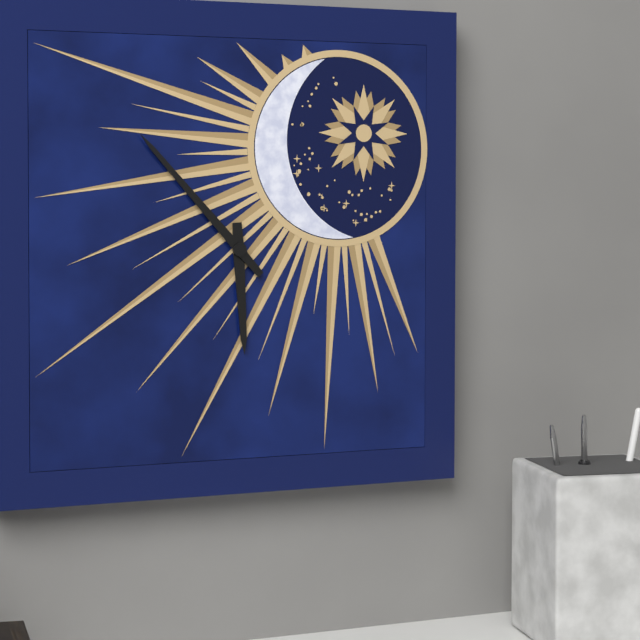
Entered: {"hour": 5, "minute": 53}
